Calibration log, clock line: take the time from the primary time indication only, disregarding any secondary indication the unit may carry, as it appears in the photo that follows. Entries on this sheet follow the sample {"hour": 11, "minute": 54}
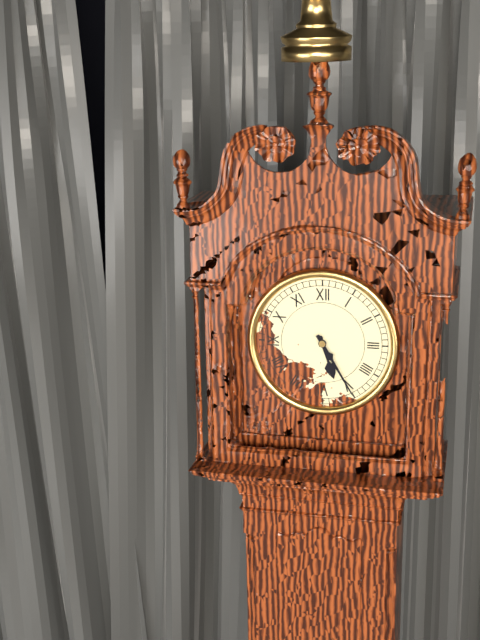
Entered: {"hour": 5, "minute": 25}
